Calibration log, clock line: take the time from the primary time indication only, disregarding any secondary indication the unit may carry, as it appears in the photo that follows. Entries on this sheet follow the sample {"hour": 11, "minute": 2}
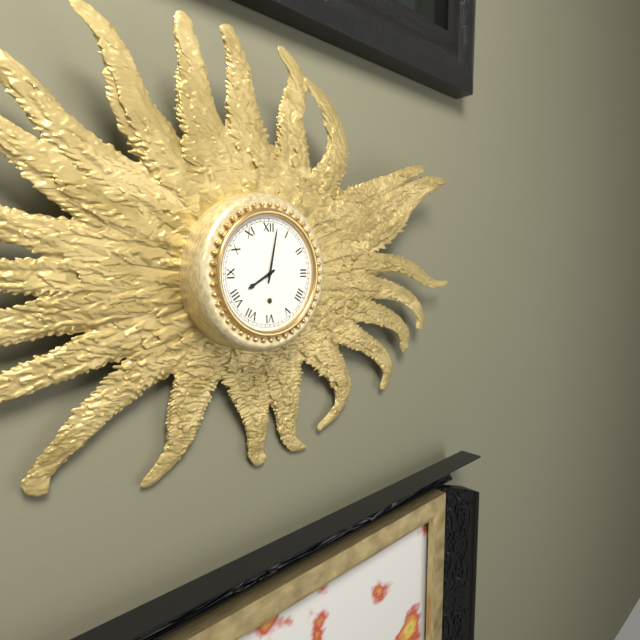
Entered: {"hour": 8, "minute": 2}
